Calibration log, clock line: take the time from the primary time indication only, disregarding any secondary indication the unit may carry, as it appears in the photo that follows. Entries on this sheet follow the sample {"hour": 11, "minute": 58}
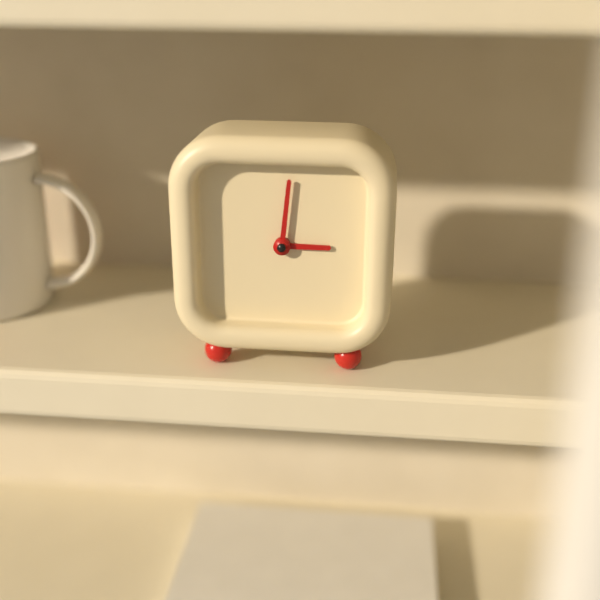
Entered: {"hour": 3, "minute": 1}
